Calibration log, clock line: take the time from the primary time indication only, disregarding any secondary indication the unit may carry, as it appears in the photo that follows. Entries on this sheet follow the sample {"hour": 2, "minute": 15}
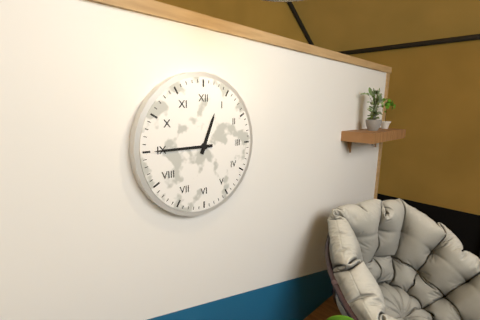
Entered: {"hour": 12, "minute": 45}
